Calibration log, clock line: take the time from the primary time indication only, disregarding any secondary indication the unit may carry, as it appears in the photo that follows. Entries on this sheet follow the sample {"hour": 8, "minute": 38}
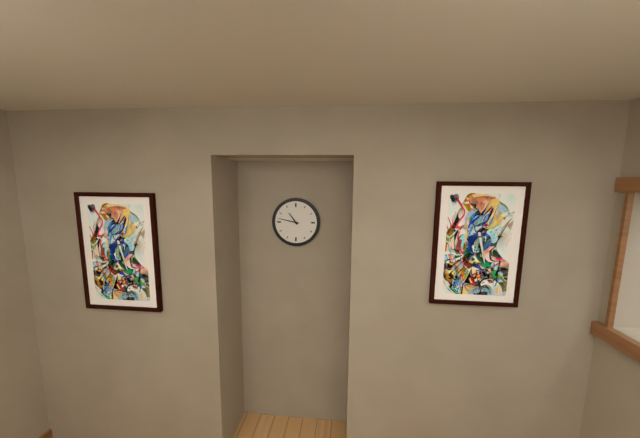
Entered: {"hour": 10, "minute": 47}
